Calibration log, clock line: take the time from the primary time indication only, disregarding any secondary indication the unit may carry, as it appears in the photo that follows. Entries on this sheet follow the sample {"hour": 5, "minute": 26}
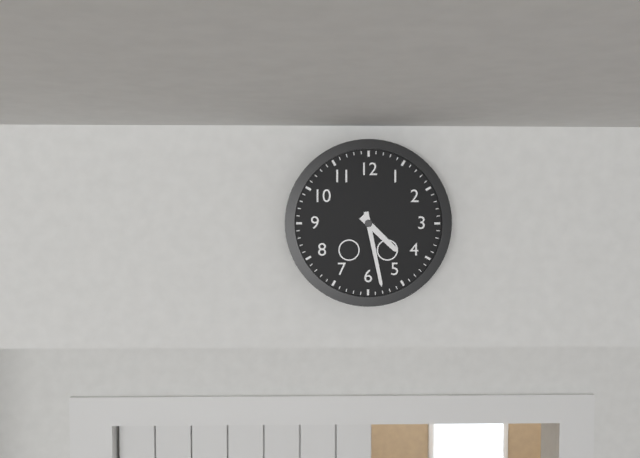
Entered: {"hour": 4, "minute": 28}
